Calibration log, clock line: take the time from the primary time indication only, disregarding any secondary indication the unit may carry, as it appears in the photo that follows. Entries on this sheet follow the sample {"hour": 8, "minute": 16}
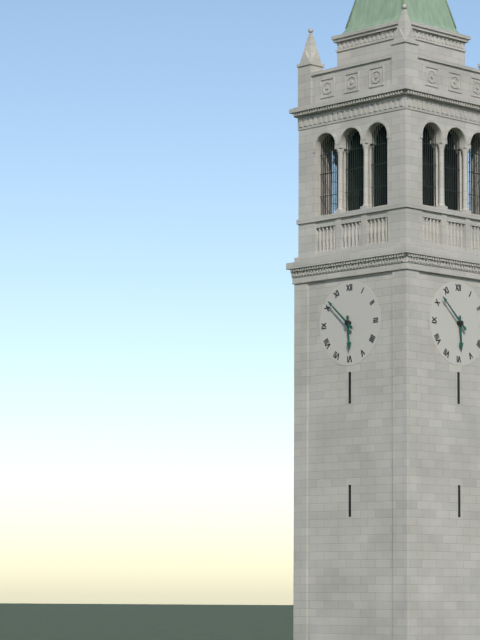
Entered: {"hour": 5, "minute": 52}
